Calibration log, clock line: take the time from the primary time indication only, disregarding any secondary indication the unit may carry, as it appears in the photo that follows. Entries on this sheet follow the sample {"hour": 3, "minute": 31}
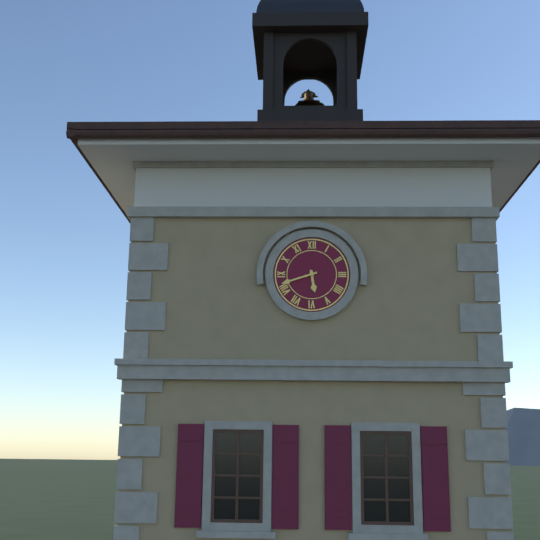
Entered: {"hour": 5, "minute": 42}
